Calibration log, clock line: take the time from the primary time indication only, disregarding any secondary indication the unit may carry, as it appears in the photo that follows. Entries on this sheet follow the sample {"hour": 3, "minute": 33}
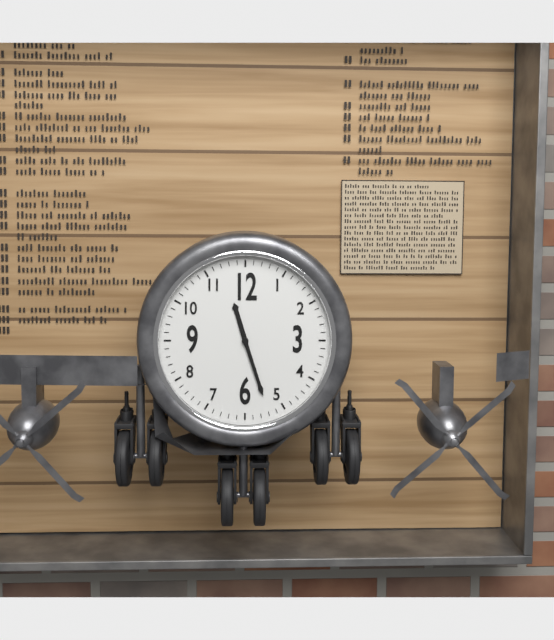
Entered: {"hour": 11, "minute": 27}
